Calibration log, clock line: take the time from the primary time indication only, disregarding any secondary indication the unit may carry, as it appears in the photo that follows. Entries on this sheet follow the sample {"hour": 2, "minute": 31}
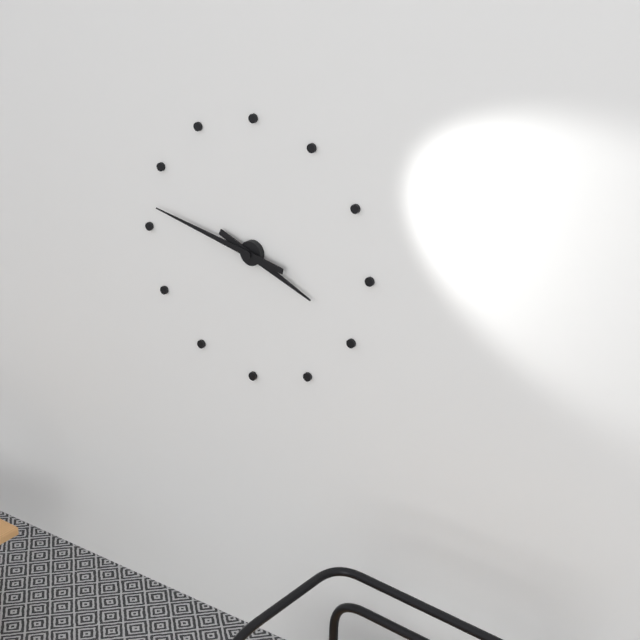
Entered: {"hour": 3, "minute": 47}
